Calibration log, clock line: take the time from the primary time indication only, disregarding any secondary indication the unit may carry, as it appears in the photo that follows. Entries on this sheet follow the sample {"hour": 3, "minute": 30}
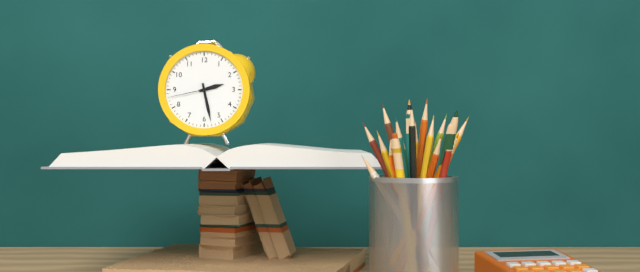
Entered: {"hour": 2, "minute": 28}
